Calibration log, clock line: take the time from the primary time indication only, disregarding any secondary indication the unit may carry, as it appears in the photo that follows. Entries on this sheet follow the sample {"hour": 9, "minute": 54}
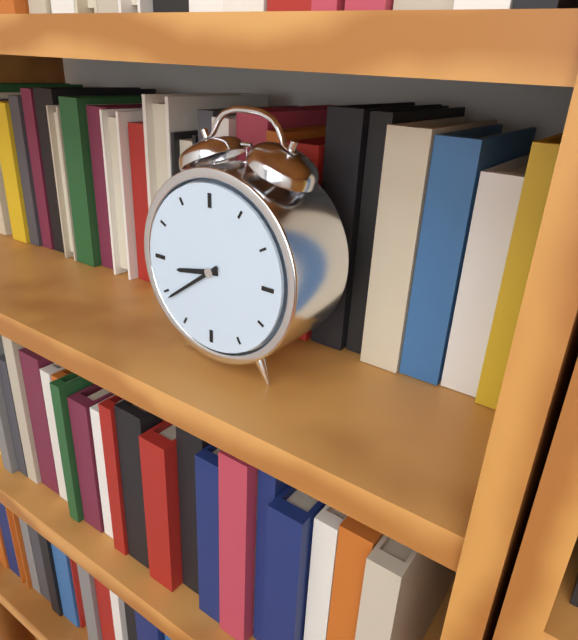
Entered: {"hour": 8, "minute": 39}
